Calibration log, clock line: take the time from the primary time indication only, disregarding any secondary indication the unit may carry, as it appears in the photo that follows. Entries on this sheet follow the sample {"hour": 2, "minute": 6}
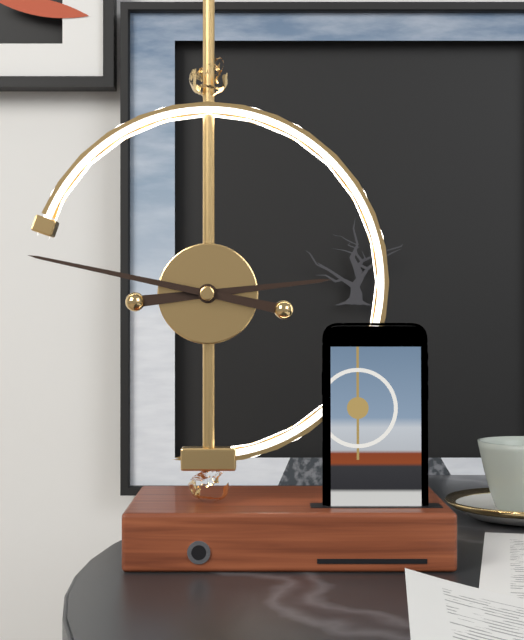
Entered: {"hour": 2, "minute": 47}
